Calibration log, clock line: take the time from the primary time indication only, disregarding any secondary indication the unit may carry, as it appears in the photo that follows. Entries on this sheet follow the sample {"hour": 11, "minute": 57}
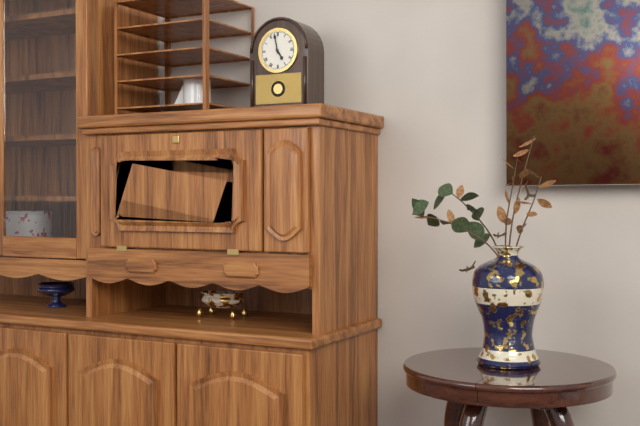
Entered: {"hour": 4, "minute": 58}
